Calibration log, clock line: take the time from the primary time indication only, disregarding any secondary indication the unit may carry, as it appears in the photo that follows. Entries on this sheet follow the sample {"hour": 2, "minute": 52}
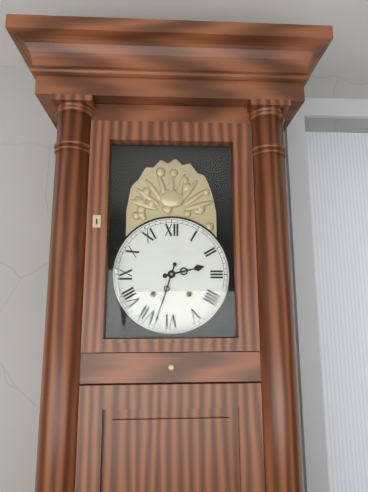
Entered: {"hour": 2, "minute": 33}
